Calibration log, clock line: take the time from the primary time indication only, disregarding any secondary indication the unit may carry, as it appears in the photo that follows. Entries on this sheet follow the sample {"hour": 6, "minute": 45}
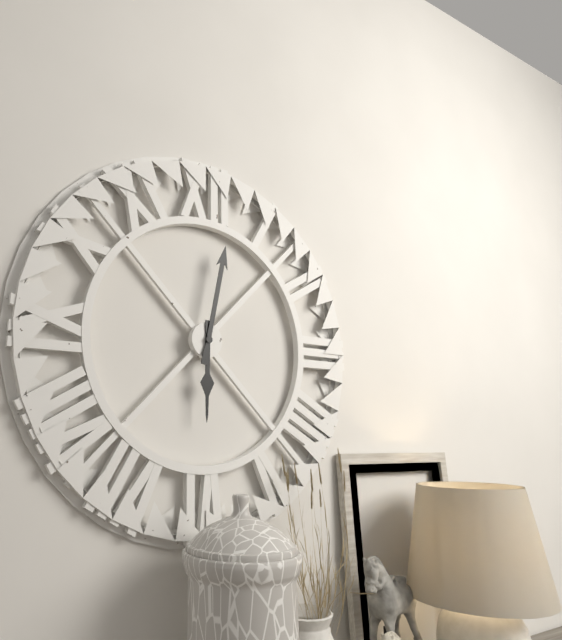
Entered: {"hour": 6, "minute": 2}
